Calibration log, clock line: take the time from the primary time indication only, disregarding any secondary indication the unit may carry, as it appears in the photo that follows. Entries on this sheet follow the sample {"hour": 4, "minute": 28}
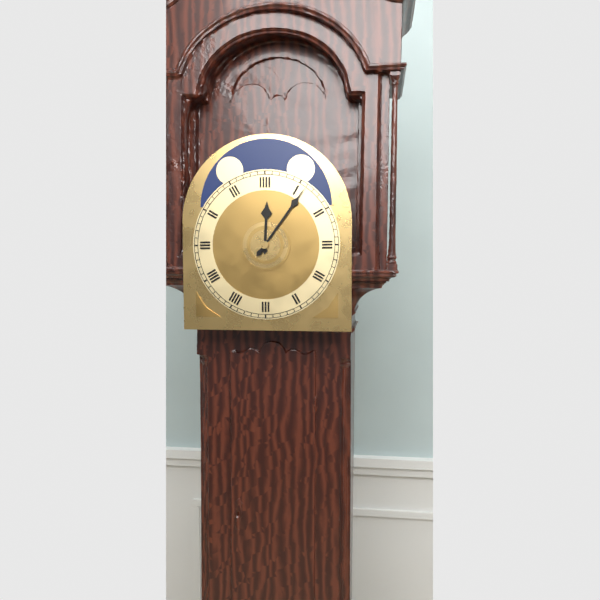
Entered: {"hour": 12, "minute": 6}
